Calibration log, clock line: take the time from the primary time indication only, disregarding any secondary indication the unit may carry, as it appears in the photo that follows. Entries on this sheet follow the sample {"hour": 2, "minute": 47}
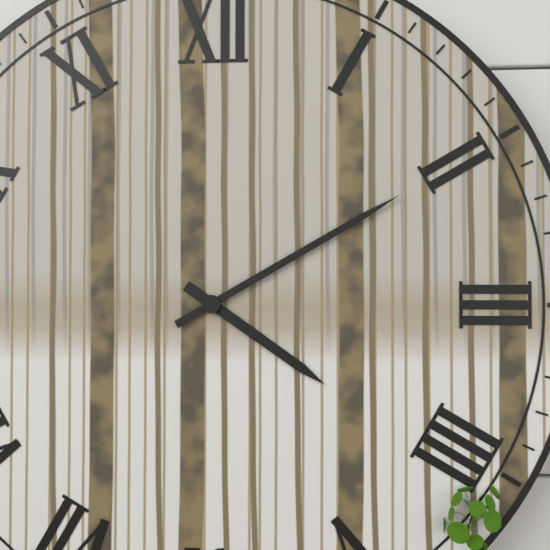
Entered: {"hour": 4, "minute": 10}
